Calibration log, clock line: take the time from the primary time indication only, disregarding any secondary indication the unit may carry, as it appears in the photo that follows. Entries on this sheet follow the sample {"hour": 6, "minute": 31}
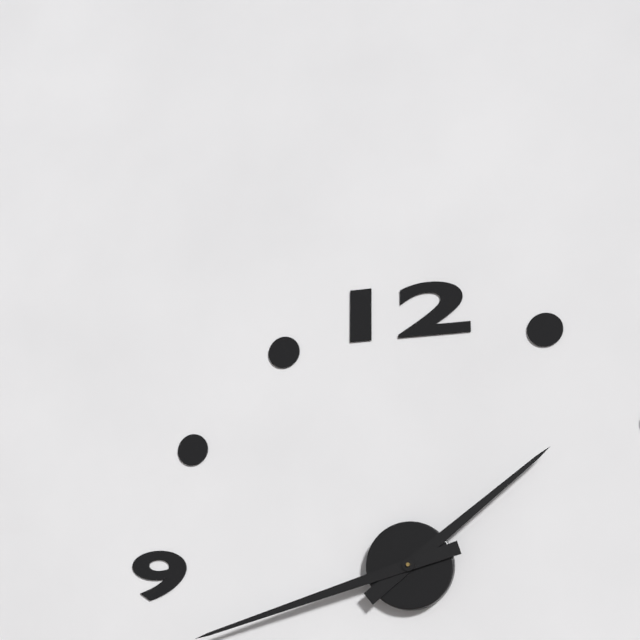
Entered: {"hour": 1, "minute": 42}
